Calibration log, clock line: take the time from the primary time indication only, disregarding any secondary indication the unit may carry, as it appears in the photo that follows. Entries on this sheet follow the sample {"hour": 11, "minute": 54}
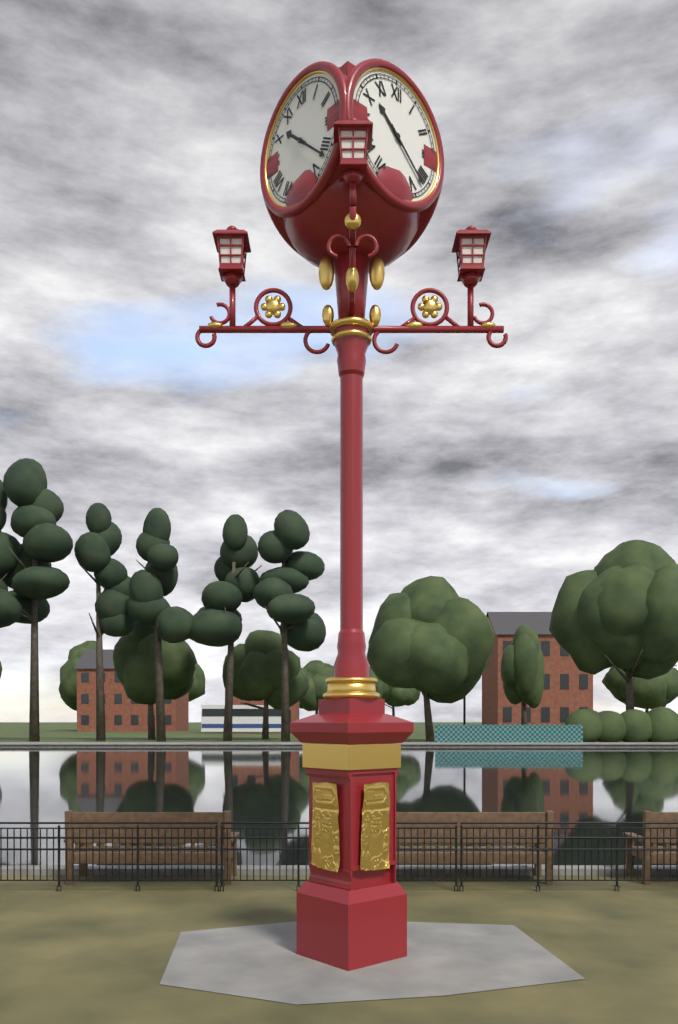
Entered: {"hour": 10, "minute": 22}
